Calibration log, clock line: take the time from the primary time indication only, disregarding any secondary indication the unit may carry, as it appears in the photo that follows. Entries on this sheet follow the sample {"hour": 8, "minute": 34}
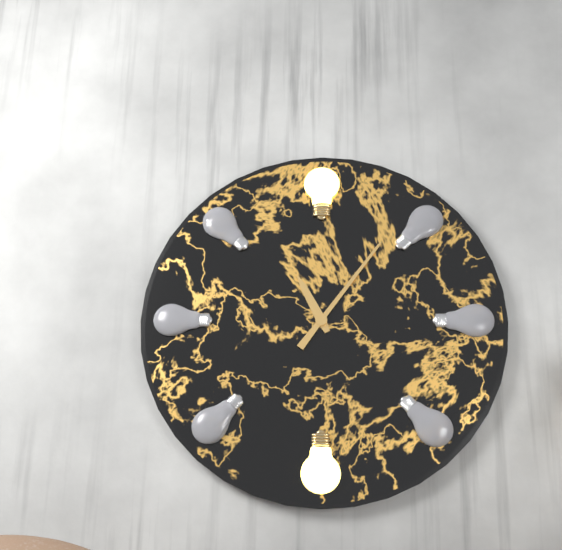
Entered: {"hour": 11, "minute": 6}
